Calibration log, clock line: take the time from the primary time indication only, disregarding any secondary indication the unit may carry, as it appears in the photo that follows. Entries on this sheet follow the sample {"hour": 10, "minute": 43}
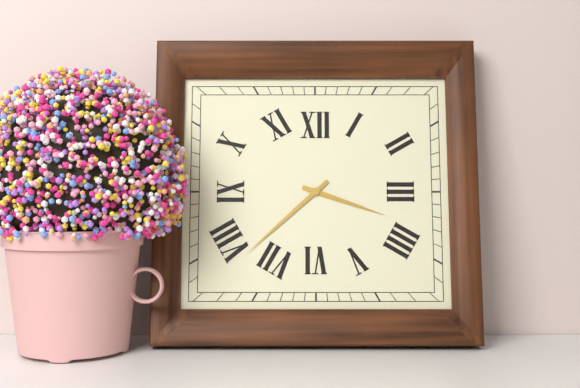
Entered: {"hour": 3, "minute": 38}
